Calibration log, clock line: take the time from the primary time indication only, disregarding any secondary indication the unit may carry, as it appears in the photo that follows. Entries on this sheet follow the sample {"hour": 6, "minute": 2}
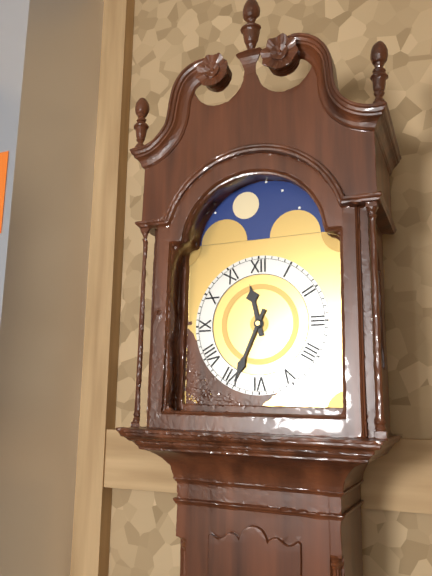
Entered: {"hour": 11, "minute": 34}
